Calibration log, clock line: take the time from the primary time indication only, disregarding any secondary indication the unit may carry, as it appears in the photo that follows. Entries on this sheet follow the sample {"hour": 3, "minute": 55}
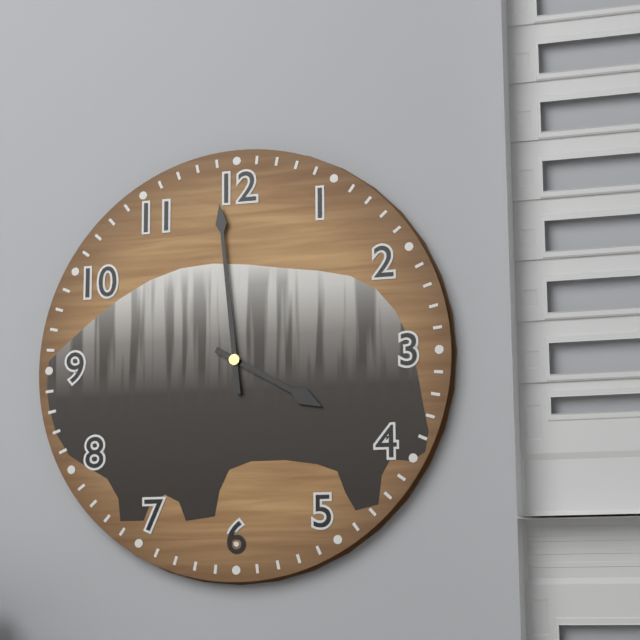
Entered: {"hour": 3, "minute": 59}
